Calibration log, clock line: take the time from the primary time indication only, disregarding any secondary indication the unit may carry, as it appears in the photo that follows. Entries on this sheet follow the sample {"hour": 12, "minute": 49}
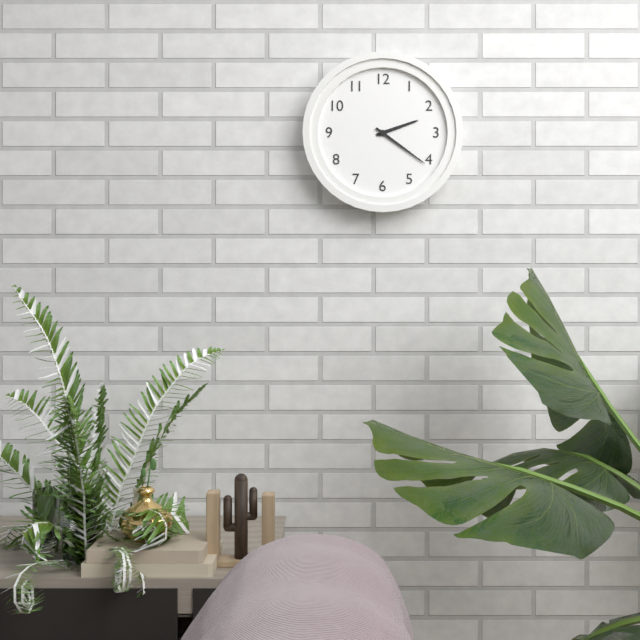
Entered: {"hour": 2, "minute": 21}
